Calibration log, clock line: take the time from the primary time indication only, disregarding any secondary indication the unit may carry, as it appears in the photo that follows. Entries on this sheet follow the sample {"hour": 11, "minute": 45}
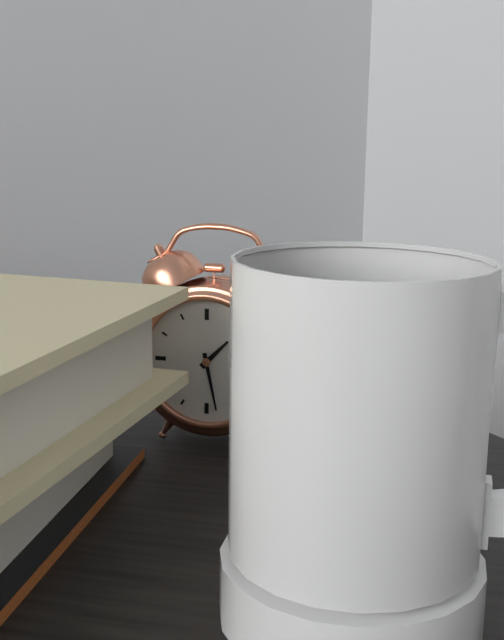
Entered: {"hour": 1, "minute": 28}
